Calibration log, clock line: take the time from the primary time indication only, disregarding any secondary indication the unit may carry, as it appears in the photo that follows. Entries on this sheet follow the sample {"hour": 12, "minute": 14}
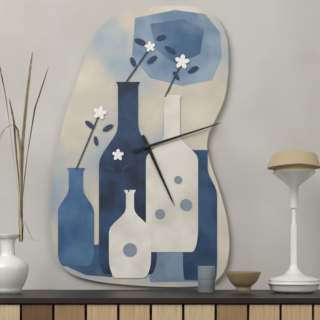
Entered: {"hour": 5, "minute": 12}
